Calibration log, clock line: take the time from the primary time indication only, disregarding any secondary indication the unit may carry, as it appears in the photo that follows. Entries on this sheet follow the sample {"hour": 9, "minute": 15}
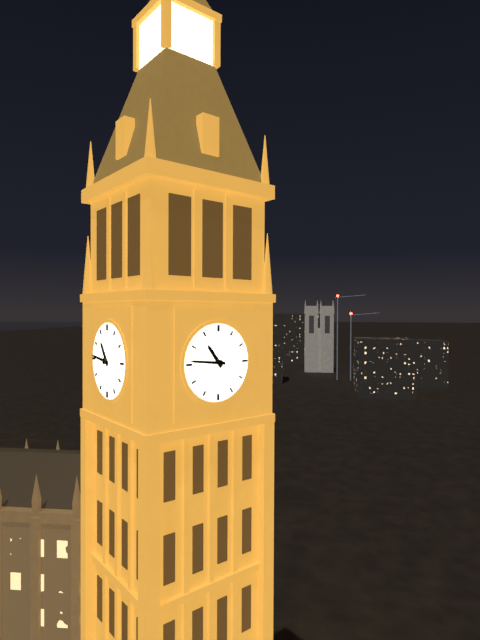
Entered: {"hour": 10, "minute": 46}
